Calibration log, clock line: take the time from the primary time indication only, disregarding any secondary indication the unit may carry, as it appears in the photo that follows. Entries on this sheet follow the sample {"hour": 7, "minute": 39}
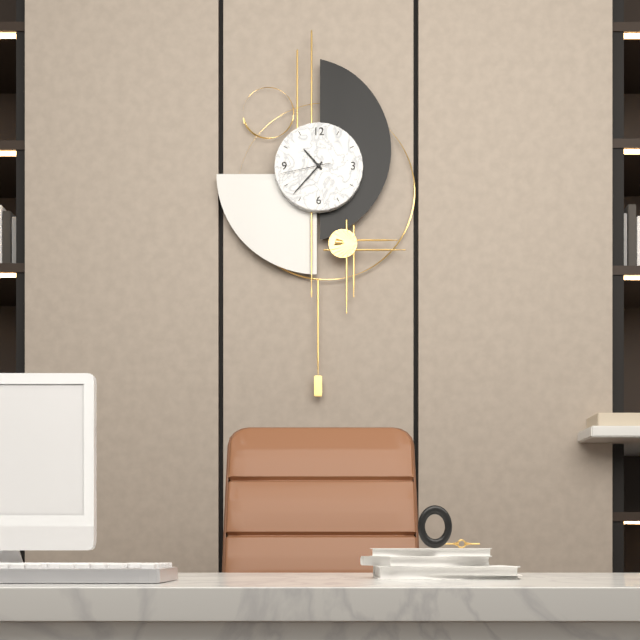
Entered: {"hour": 10, "minute": 37}
